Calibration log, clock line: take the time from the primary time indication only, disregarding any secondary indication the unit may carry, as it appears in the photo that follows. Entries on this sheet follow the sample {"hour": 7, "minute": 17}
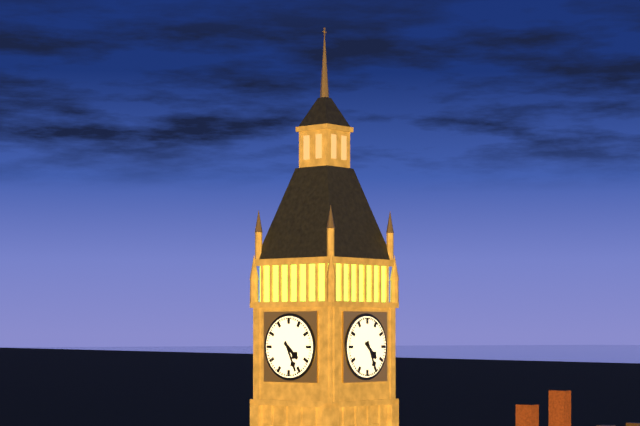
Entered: {"hour": 4, "minute": 26}
